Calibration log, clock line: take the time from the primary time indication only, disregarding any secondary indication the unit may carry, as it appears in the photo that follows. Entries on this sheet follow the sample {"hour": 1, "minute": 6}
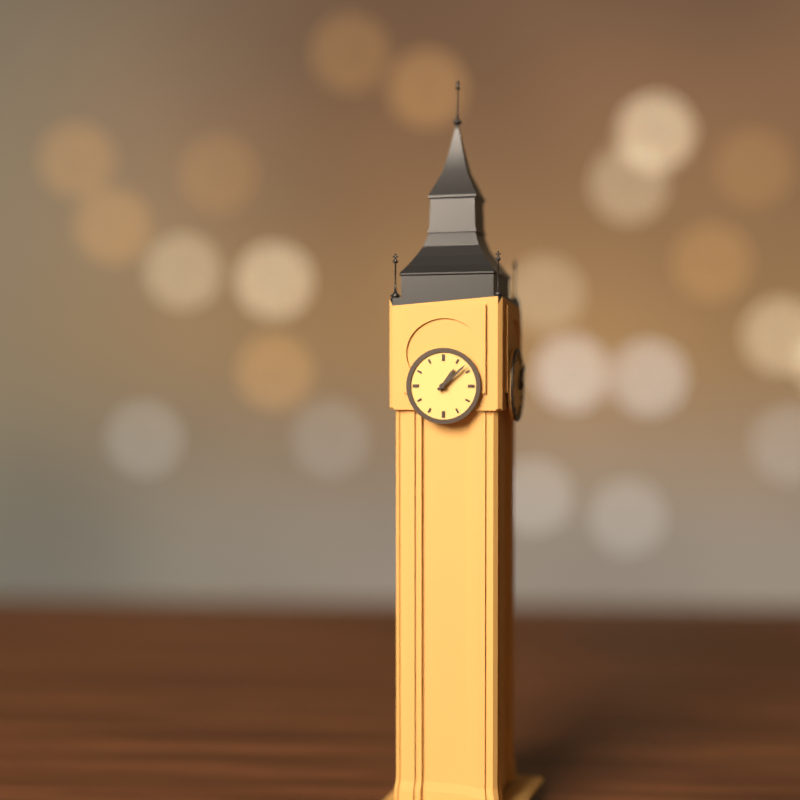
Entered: {"hour": 1, "minute": 8}
